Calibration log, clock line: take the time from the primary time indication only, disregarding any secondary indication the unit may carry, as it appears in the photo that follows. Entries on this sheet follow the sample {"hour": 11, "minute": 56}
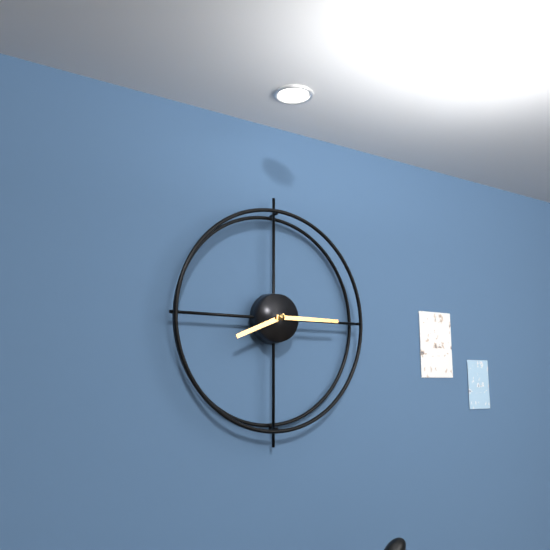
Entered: {"hour": 8, "minute": 15}
